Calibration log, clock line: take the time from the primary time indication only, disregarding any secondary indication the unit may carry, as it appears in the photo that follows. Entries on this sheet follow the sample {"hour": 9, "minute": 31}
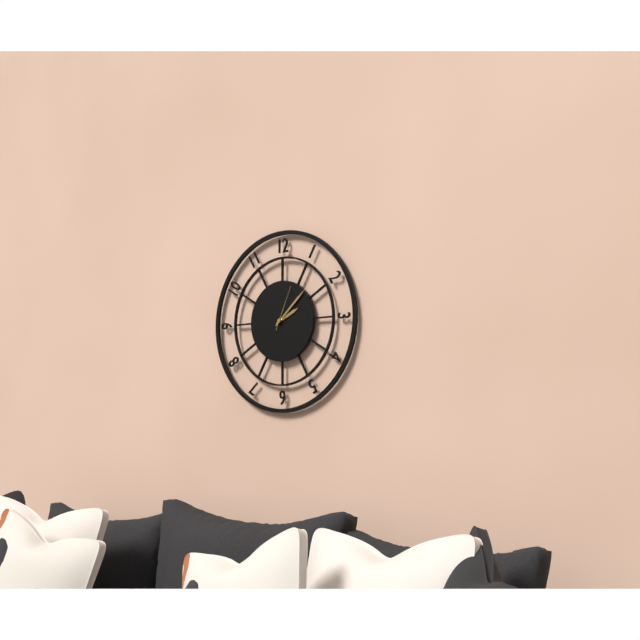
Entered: {"hour": 2, "minute": 8}
